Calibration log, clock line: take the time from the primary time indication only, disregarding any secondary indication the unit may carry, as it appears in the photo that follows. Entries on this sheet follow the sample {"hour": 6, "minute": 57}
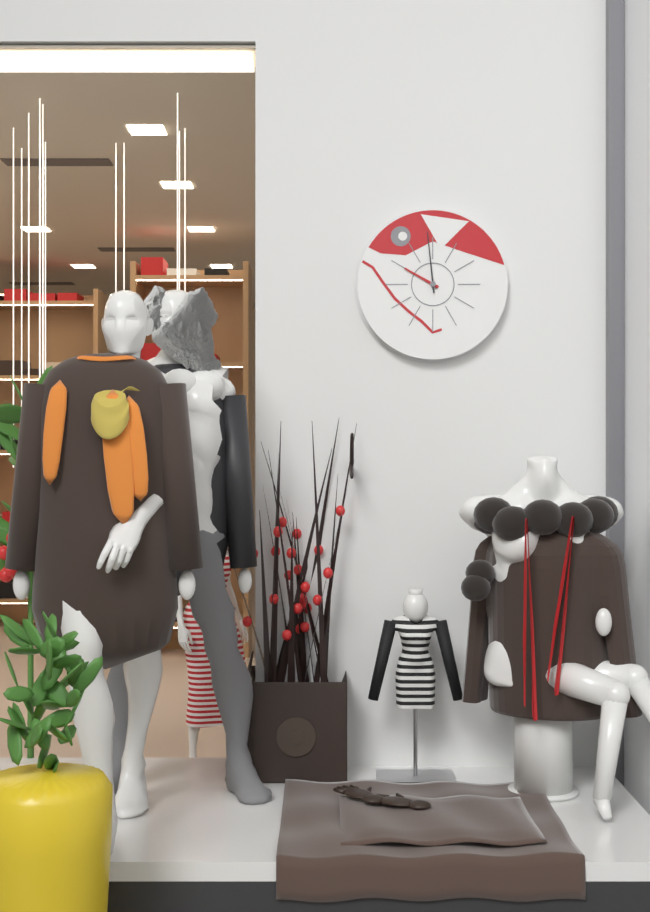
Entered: {"hour": 9, "minute": 59}
